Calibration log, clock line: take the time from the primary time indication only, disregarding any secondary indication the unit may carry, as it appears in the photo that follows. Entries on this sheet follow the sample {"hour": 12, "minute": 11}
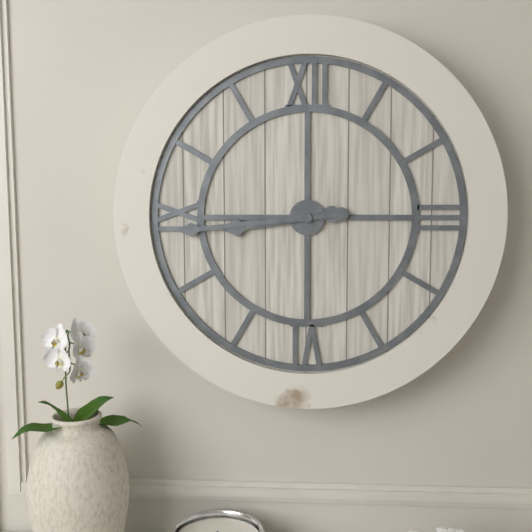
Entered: {"hour": 8, "minute": 44}
